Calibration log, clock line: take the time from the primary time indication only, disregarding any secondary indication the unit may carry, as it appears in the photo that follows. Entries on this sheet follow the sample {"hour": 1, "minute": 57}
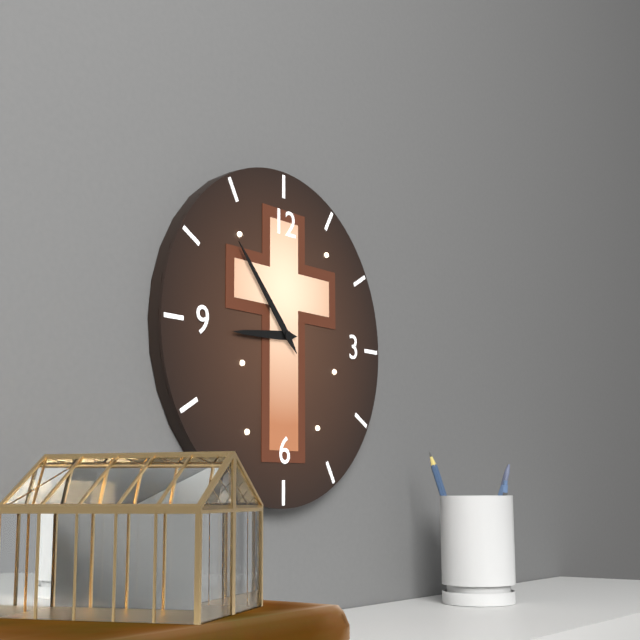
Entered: {"hour": 8, "minute": 53}
